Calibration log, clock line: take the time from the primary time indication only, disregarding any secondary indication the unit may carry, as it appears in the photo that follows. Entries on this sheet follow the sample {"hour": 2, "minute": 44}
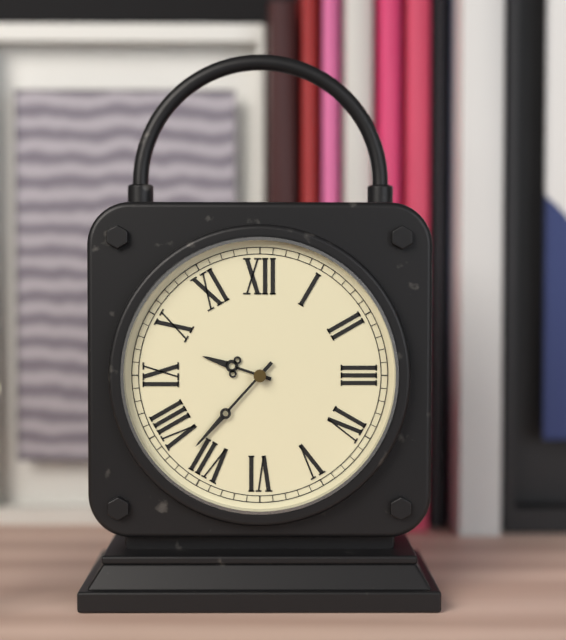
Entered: {"hour": 9, "minute": 37}
